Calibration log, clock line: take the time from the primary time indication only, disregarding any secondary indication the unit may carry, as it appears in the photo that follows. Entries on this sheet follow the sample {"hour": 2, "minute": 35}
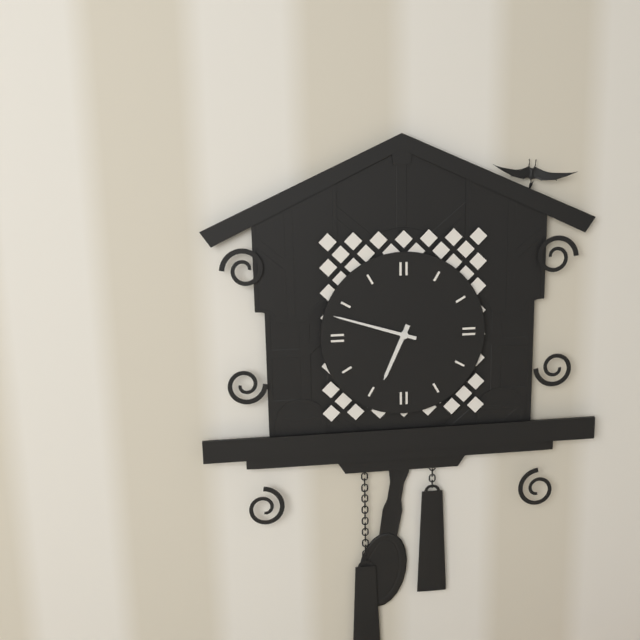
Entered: {"hour": 6, "minute": 48}
